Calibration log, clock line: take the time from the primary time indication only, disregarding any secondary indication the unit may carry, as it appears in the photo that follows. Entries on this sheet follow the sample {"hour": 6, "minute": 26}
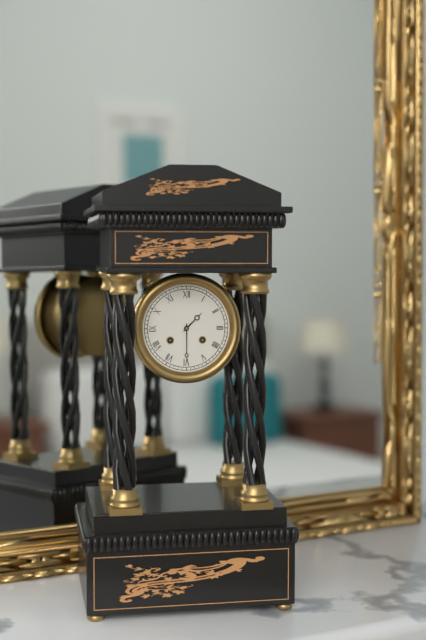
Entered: {"hour": 1, "minute": 30}
